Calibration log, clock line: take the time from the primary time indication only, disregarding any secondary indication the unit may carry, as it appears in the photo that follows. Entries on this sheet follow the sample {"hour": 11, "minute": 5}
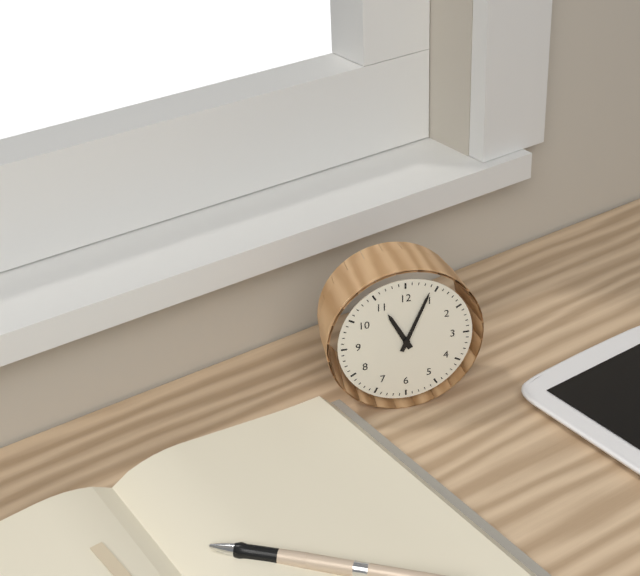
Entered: {"hour": 11, "minute": 4}
